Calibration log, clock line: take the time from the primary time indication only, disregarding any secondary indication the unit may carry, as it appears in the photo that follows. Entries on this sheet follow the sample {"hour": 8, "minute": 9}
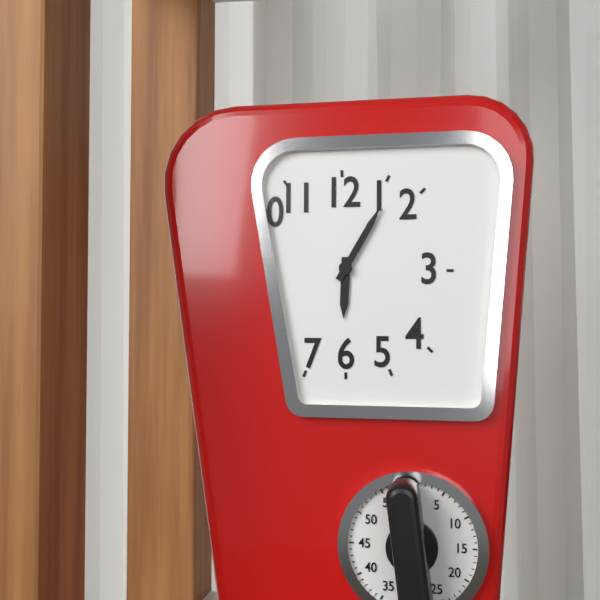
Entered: {"hour": 6, "minute": 5}
